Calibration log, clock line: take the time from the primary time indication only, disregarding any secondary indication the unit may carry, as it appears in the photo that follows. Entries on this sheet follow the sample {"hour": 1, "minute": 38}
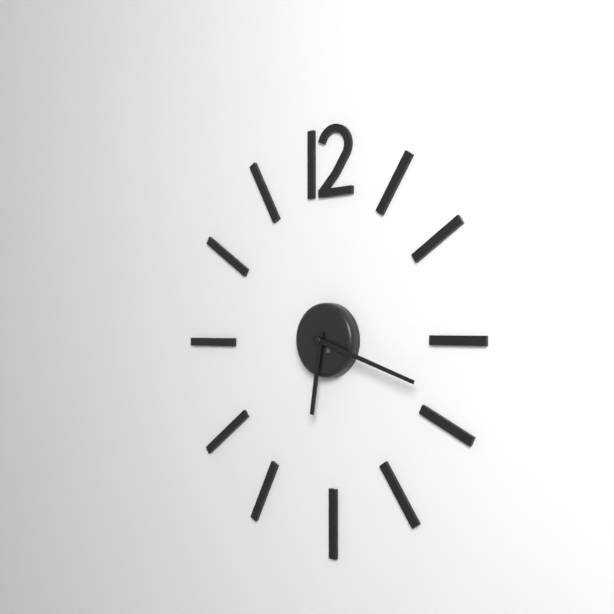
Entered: {"hour": 6, "minute": 18}
